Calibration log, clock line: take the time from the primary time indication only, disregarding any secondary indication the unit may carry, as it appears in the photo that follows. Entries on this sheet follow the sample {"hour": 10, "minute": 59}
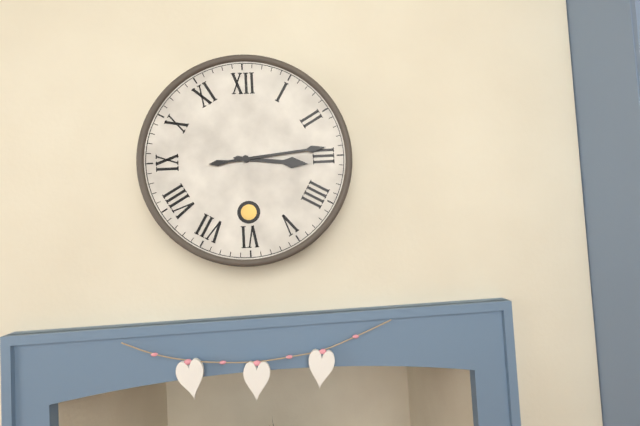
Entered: {"hour": 3, "minute": 14}
